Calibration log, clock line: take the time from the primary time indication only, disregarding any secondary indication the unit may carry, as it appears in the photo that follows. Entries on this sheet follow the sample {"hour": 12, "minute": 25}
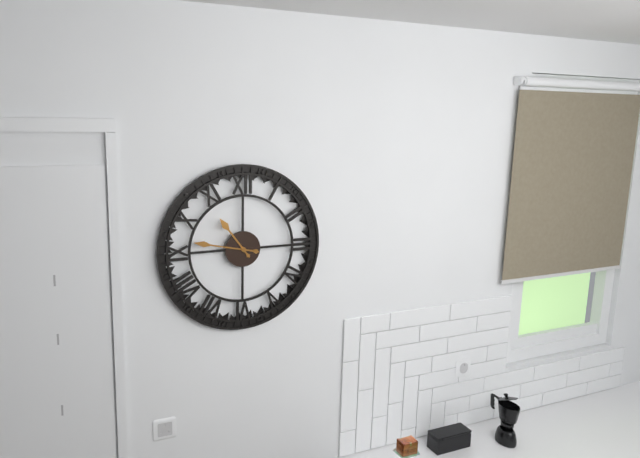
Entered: {"hour": 10, "minute": 47}
